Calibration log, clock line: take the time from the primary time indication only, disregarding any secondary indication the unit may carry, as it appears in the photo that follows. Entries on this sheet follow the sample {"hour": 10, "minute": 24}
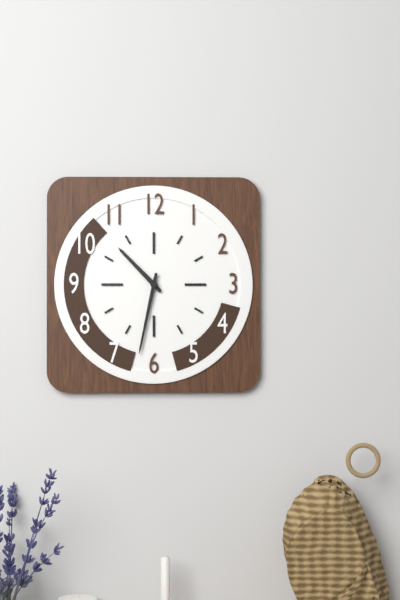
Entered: {"hour": 10, "minute": 32}
